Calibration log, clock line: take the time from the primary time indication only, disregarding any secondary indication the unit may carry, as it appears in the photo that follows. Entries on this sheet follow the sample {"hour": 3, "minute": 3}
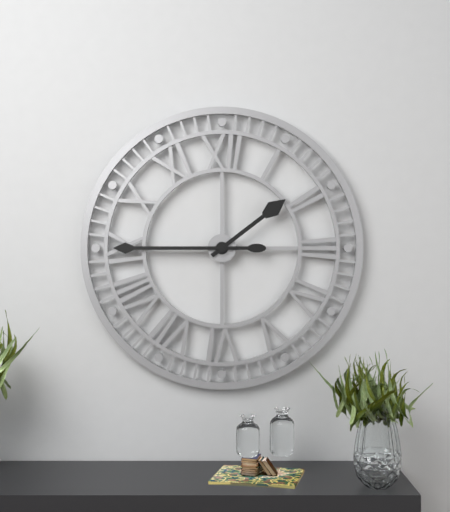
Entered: {"hour": 1, "minute": 45}
